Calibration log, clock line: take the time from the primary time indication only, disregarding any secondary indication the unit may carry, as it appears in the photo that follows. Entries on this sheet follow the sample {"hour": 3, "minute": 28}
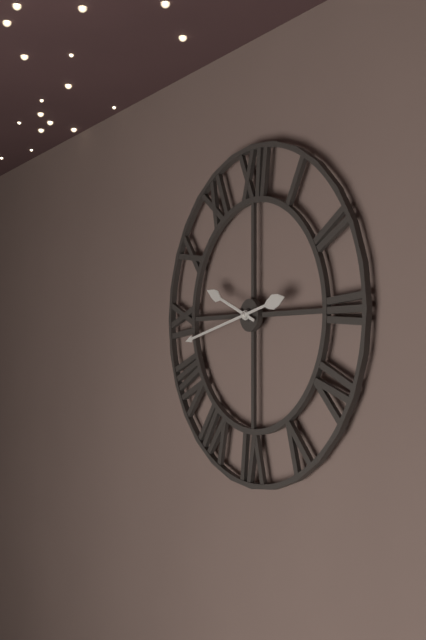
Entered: {"hour": 9, "minute": 43}
